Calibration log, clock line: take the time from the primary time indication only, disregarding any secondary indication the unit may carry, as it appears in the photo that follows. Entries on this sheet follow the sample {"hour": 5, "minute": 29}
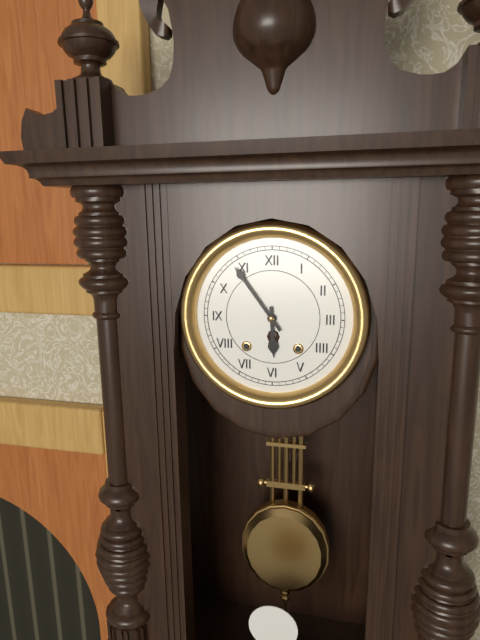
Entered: {"hour": 5, "minute": 54}
